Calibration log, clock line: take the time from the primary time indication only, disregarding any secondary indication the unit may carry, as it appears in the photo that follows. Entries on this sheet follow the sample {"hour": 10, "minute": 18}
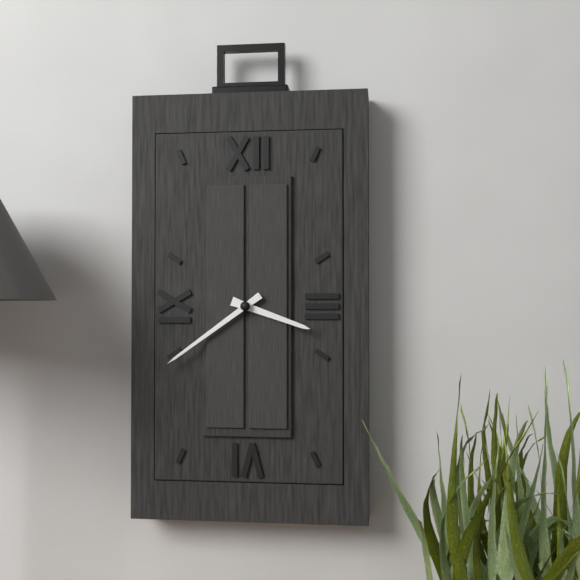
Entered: {"hour": 3, "minute": 39}
